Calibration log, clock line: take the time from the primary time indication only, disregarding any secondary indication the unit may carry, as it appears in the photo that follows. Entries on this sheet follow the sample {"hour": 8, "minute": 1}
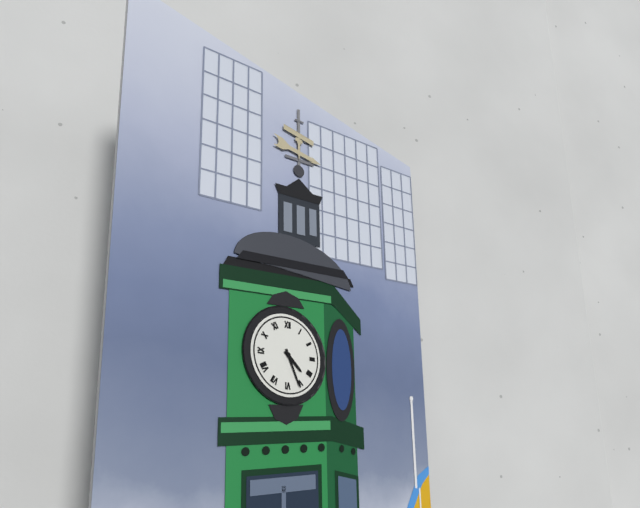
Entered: {"hour": 4, "minute": 26}
